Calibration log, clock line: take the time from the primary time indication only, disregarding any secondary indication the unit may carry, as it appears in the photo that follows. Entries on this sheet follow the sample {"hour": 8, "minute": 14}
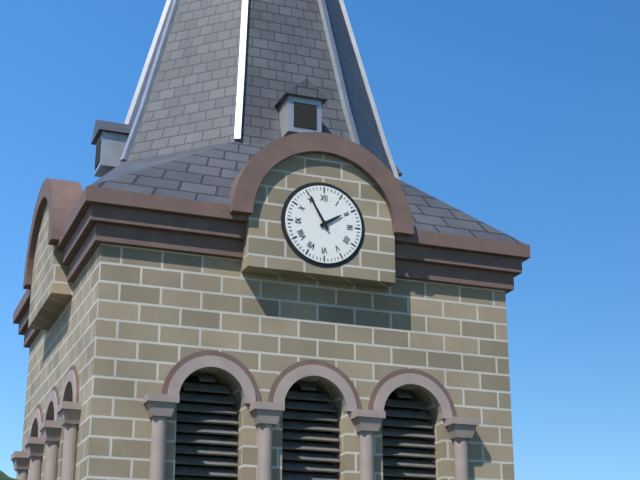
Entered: {"hour": 1, "minute": 55}
